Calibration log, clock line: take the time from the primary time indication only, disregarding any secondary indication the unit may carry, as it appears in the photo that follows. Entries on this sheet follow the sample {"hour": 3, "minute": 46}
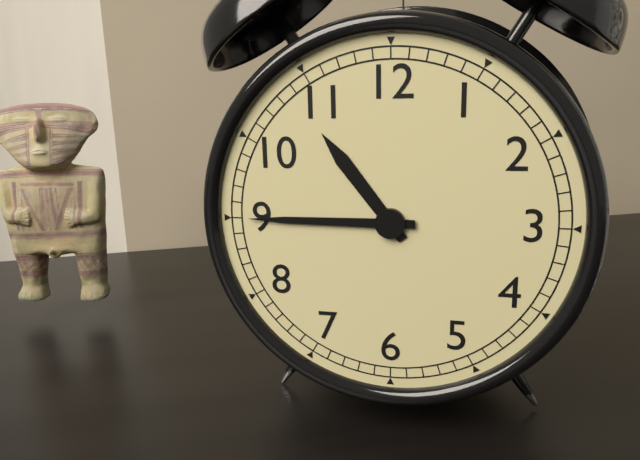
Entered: {"hour": 10, "minute": 45}
